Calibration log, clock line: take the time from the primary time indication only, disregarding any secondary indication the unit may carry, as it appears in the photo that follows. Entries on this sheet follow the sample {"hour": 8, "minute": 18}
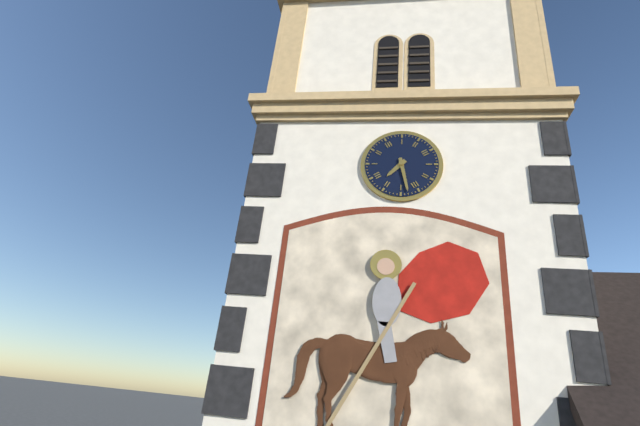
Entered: {"hour": 7, "minute": 28}
